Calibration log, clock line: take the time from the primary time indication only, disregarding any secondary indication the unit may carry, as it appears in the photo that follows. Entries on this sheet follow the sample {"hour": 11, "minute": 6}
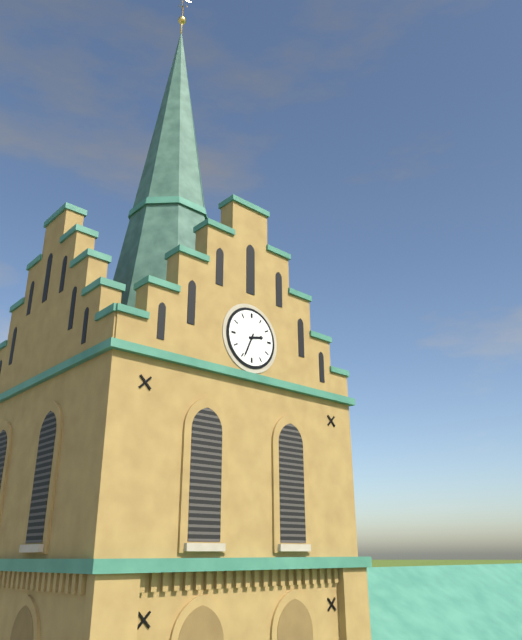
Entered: {"hour": 2, "minute": 34}
